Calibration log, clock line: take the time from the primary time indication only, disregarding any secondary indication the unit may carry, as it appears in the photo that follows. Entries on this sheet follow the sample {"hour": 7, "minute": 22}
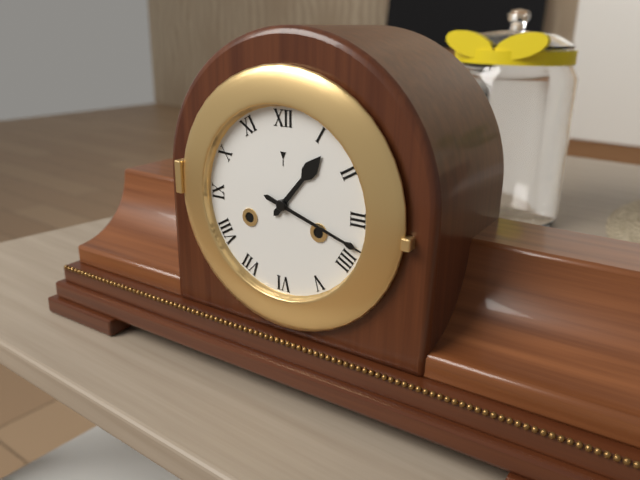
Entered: {"hour": 1, "minute": 18}
